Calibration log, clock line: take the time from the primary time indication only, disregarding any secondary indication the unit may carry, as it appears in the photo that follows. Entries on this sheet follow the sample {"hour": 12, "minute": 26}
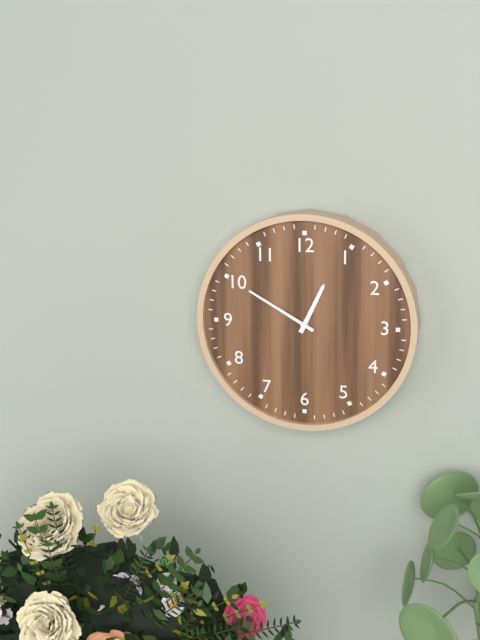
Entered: {"hour": 12, "minute": 50}
